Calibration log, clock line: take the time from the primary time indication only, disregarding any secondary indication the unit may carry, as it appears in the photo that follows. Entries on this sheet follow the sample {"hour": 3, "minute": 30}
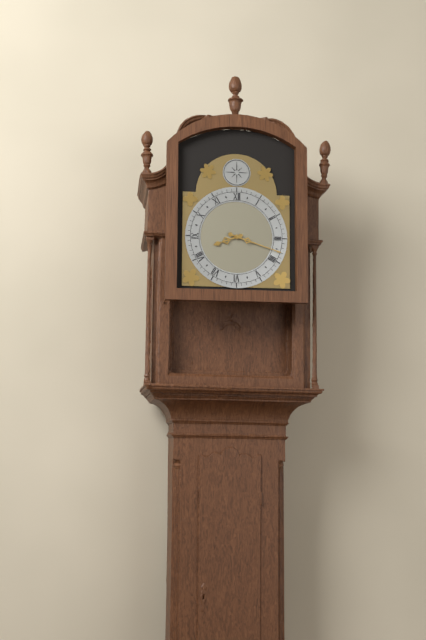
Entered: {"hour": 8, "minute": 18}
